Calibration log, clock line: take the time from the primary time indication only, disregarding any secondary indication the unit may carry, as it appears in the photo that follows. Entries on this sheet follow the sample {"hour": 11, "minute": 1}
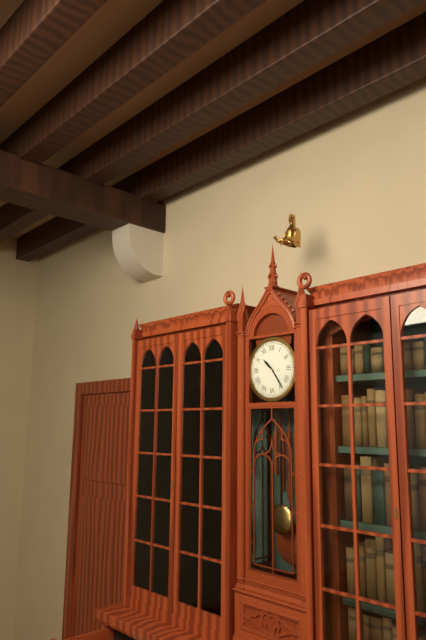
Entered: {"hour": 10, "minute": 24}
